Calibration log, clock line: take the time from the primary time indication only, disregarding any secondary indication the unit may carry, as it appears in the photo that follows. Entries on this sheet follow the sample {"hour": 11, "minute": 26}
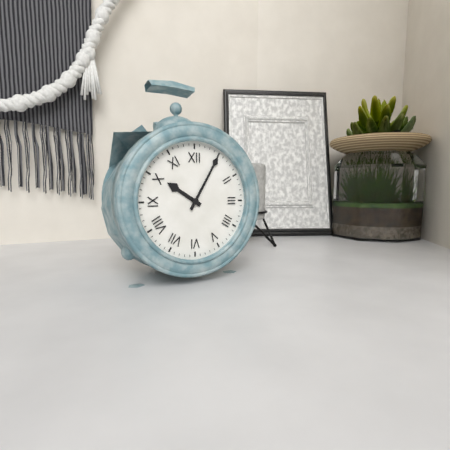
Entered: {"hour": 10, "minute": 5}
